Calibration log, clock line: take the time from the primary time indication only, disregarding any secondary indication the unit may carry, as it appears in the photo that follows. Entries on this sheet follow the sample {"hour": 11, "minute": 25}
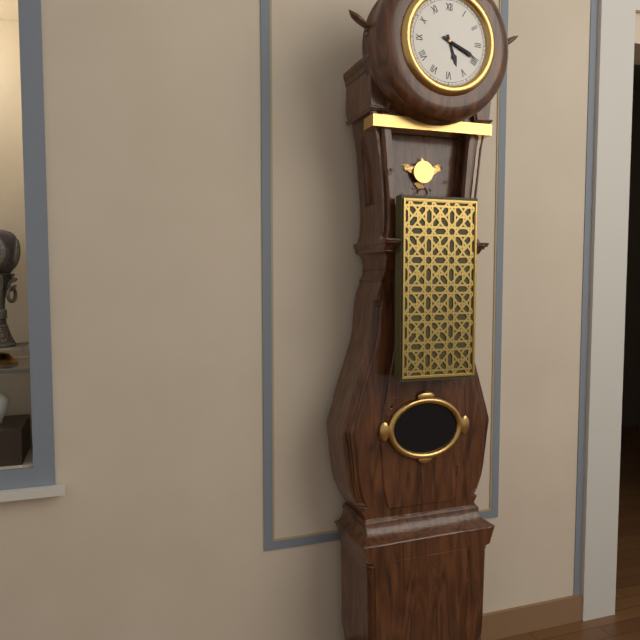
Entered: {"hour": 5, "minute": 19}
